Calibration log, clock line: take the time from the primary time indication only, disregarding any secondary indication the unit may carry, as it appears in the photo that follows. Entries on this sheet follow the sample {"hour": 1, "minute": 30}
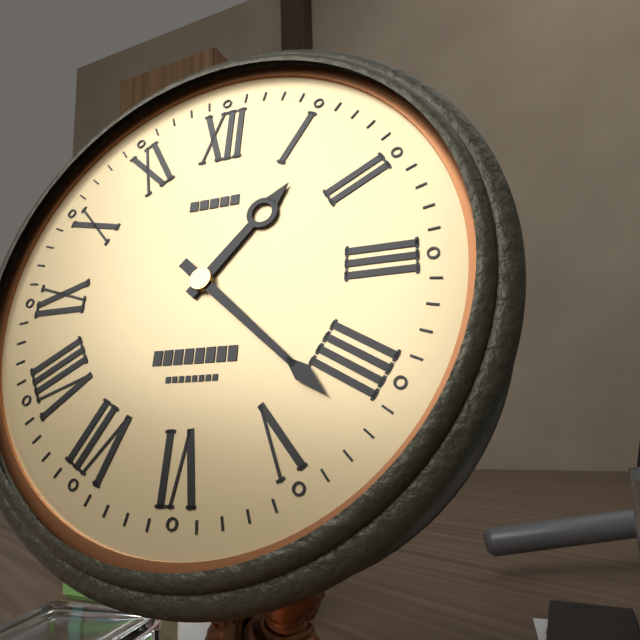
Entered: {"hour": 1, "minute": 22}
